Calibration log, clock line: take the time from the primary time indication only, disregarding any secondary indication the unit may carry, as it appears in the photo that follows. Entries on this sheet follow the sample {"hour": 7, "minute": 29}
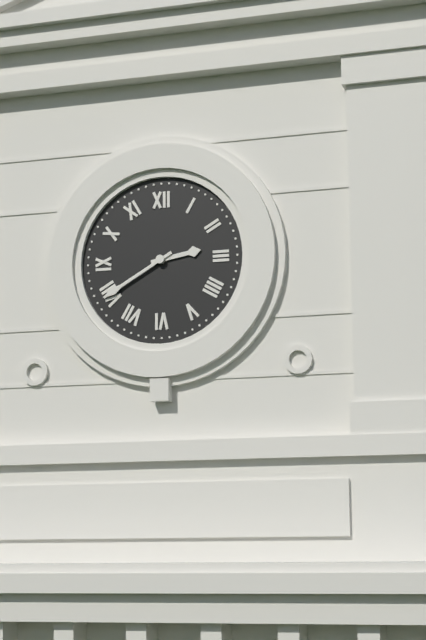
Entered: {"hour": 2, "minute": 40}
